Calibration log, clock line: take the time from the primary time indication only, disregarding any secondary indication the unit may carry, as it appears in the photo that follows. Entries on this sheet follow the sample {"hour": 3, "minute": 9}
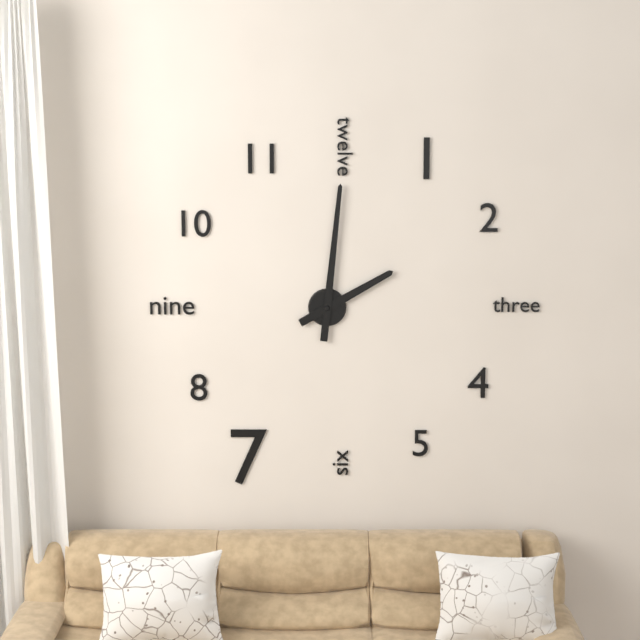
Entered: {"hour": 2, "minute": 1}
